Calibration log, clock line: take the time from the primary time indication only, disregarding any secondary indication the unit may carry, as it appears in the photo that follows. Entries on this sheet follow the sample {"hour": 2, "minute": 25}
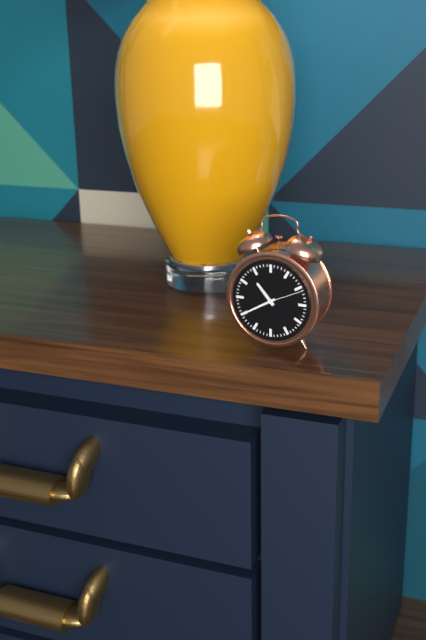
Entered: {"hour": 10, "minute": 40}
